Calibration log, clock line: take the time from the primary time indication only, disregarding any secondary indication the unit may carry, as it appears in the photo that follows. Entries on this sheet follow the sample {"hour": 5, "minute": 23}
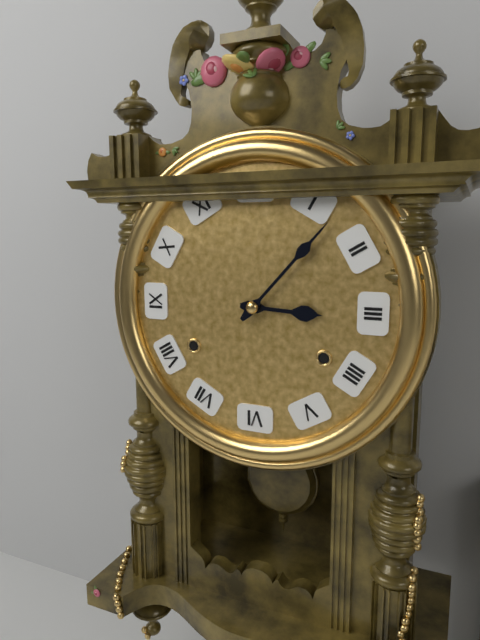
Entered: {"hour": 3, "minute": 7}
